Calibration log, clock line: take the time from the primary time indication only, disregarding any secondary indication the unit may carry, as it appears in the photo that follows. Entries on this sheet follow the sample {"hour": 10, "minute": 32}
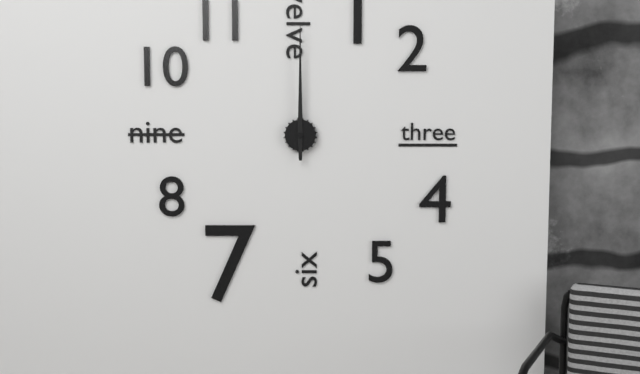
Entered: {"hour": 12, "minute": 0}
